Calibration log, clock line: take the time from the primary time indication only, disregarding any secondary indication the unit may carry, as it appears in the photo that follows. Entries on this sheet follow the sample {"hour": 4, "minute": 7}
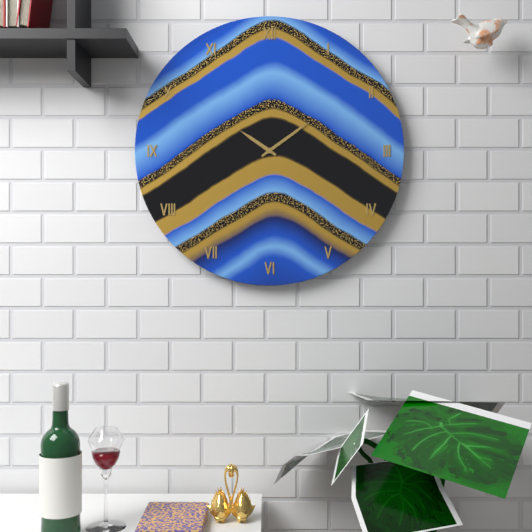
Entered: {"hour": 10, "minute": 9}
